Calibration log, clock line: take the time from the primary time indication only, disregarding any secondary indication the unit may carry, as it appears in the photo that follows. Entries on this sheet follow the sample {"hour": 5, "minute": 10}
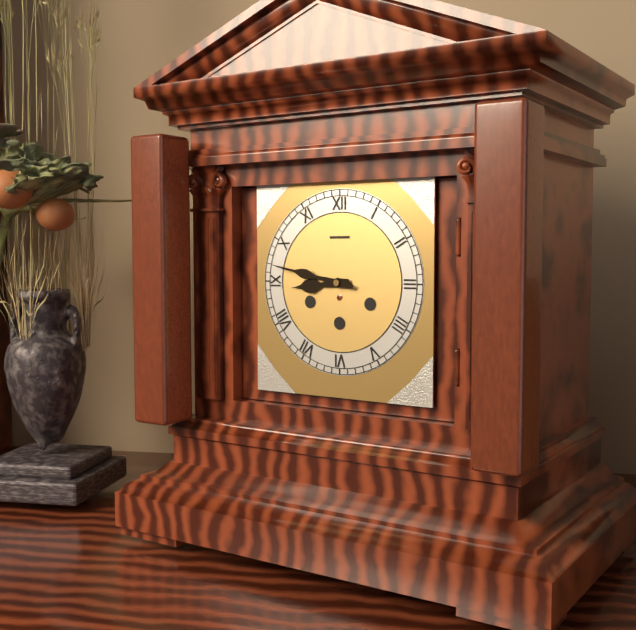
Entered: {"hour": 8, "minute": 47}
